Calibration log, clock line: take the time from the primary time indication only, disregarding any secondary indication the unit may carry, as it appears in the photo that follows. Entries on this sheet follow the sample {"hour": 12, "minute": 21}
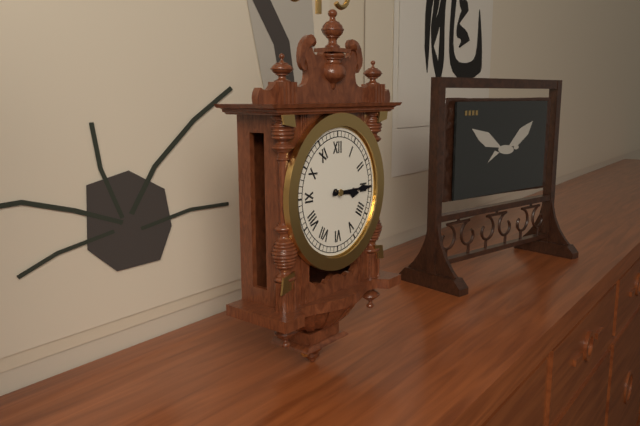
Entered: {"hour": 3, "minute": 15}
